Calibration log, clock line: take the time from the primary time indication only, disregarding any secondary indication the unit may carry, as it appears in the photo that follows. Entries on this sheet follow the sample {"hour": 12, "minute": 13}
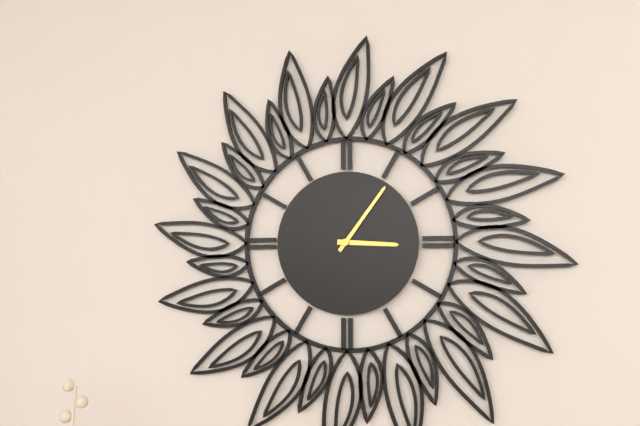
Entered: {"hour": 3, "minute": 6}
